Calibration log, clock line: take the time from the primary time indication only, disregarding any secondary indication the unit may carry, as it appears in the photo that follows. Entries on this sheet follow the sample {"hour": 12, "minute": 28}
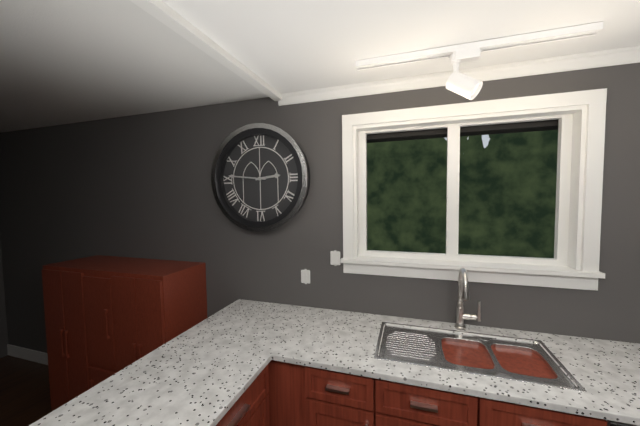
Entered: {"hour": 2, "minute": 46}
